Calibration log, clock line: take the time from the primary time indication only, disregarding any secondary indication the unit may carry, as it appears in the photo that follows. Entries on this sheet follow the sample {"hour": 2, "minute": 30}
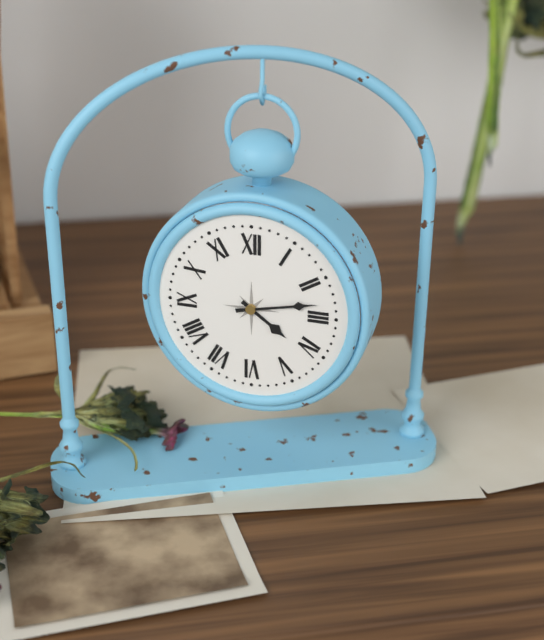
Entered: {"hour": 4, "minute": 13}
